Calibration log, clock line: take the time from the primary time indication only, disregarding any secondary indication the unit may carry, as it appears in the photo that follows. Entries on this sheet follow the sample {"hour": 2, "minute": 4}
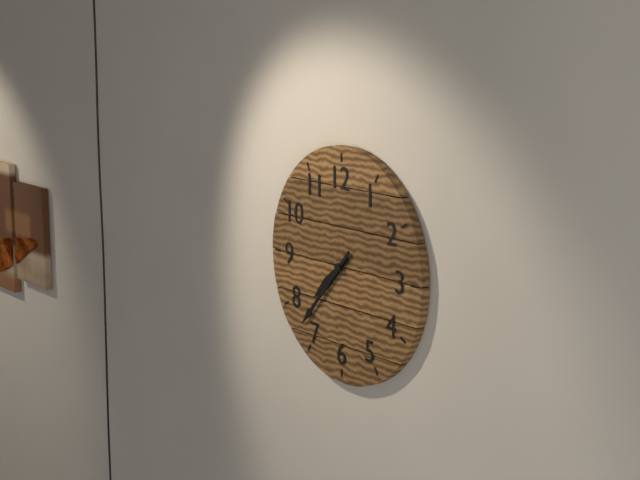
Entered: {"hour": 7, "minute": 37}
